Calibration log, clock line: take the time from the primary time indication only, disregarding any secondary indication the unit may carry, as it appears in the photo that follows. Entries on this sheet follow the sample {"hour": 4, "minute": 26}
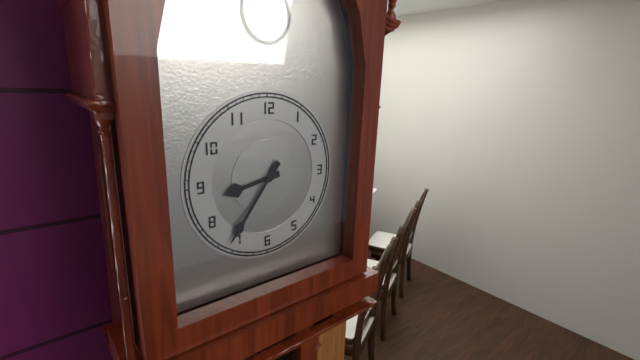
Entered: {"hour": 8, "minute": 36}
